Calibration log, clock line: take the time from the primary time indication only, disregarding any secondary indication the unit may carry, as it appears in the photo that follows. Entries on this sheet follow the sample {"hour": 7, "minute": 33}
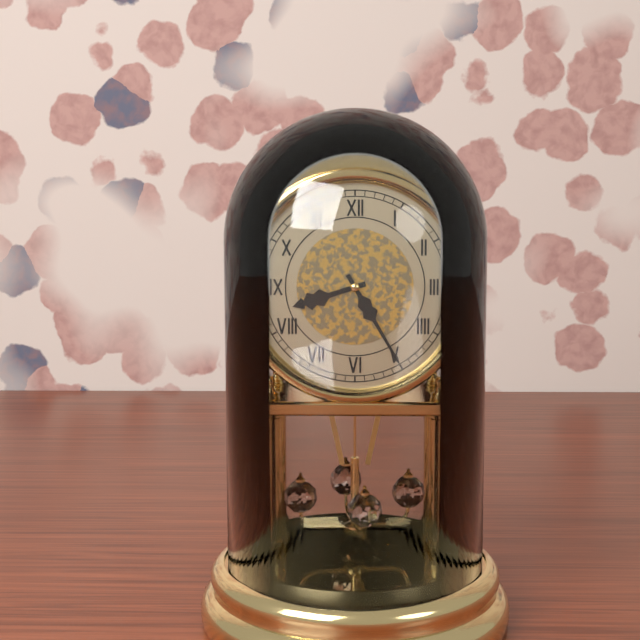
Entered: {"hour": 8, "minute": 25}
